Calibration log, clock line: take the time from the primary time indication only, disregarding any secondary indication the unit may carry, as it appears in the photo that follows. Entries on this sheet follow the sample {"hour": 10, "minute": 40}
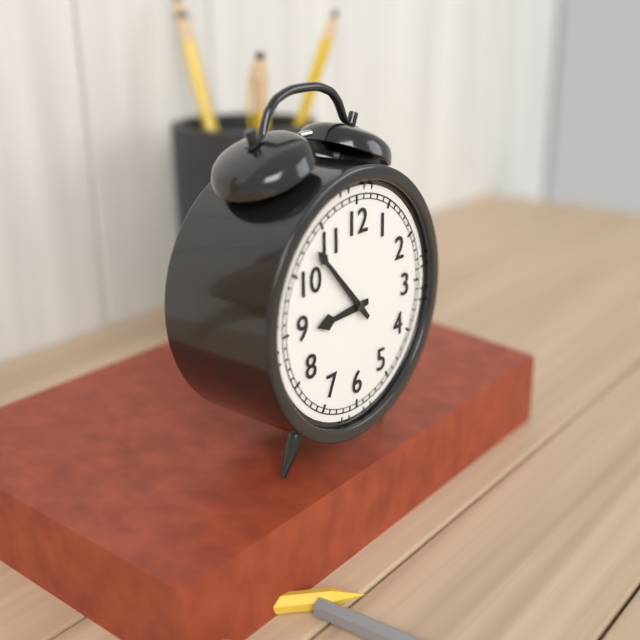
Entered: {"hour": 8, "minute": 53}
